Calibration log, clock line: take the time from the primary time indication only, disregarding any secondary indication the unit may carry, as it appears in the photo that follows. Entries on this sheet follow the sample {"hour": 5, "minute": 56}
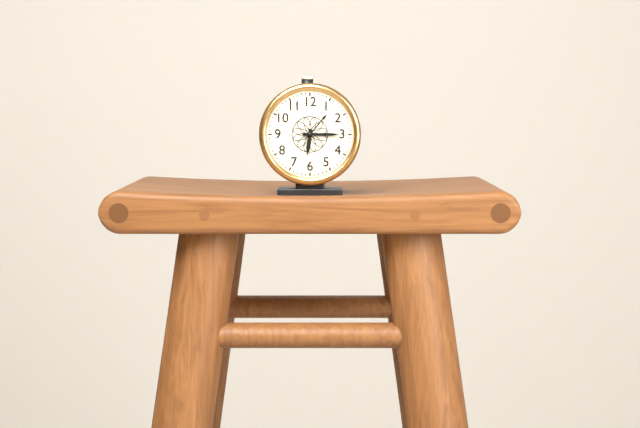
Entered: {"hour": 6, "minute": 15}
